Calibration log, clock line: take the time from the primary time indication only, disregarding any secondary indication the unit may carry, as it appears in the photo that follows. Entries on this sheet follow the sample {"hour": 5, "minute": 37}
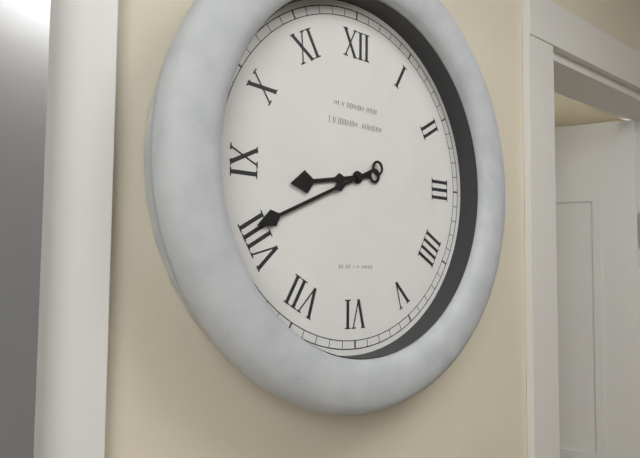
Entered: {"hour": 8, "minute": 41}
